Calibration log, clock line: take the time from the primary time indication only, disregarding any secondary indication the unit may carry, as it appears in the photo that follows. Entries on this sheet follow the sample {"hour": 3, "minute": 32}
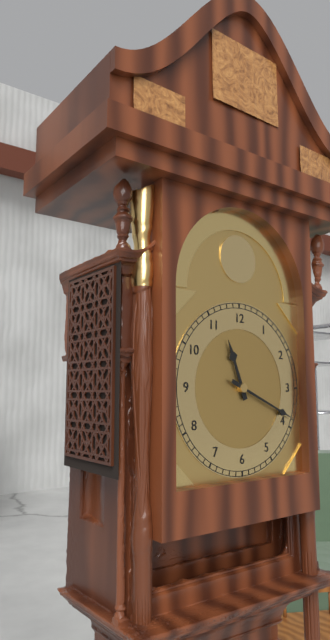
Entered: {"hour": 11, "minute": 19}
